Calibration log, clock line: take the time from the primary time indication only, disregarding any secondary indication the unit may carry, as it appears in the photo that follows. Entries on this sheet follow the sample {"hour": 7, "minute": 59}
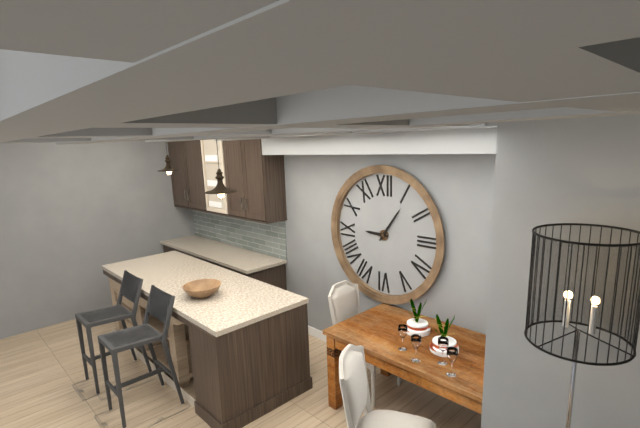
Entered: {"hour": 9, "minute": 6}
